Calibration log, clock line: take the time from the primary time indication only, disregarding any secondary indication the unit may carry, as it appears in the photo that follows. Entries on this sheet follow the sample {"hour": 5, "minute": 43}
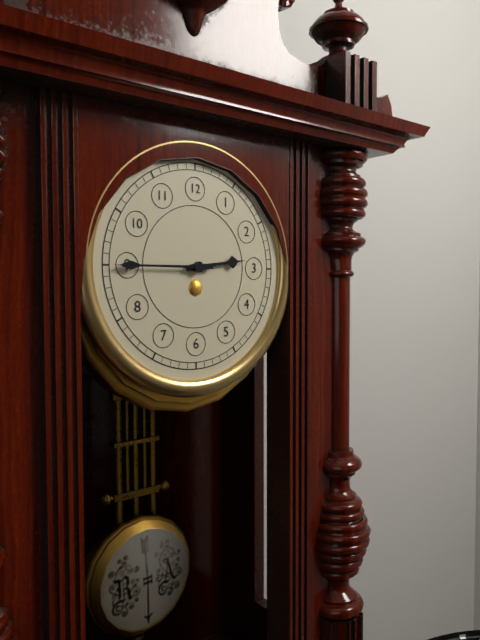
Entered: {"hour": 2, "minute": 45}
